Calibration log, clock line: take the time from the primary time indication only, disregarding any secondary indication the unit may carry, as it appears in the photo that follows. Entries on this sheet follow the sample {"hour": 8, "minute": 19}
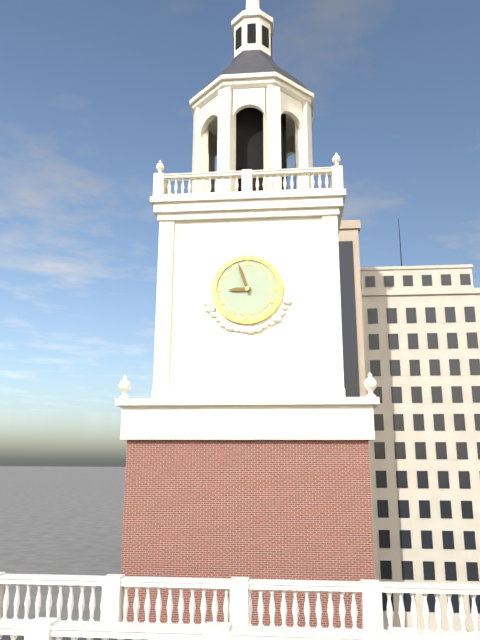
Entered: {"hour": 8, "minute": 57}
